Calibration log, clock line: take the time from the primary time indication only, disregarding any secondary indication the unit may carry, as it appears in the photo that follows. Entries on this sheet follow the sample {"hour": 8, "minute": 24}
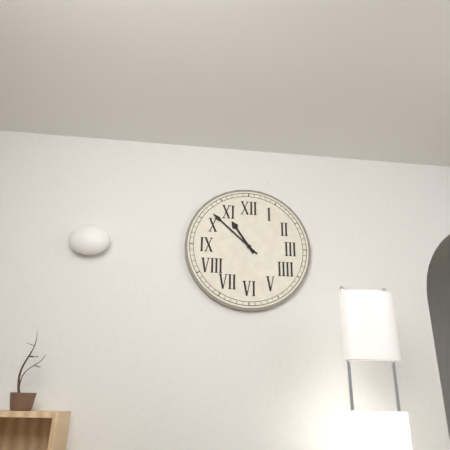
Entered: {"hour": 10, "minute": 52}
